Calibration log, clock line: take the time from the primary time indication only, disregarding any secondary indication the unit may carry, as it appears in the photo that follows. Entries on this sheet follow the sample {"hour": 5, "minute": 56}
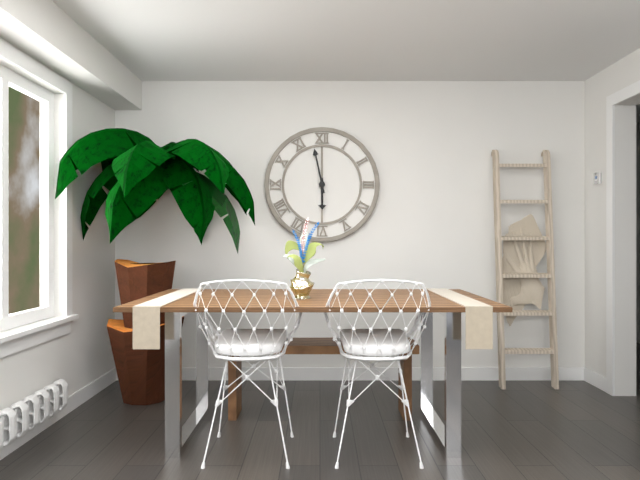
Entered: {"hour": 5, "minute": 58}
